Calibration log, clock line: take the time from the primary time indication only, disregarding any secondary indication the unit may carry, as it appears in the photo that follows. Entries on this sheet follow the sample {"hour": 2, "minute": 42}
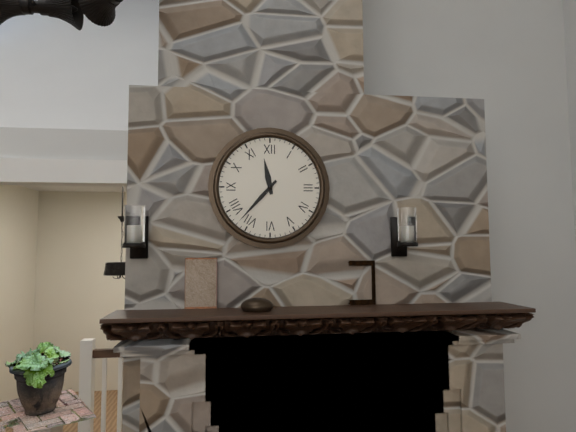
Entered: {"hour": 11, "minute": 37}
